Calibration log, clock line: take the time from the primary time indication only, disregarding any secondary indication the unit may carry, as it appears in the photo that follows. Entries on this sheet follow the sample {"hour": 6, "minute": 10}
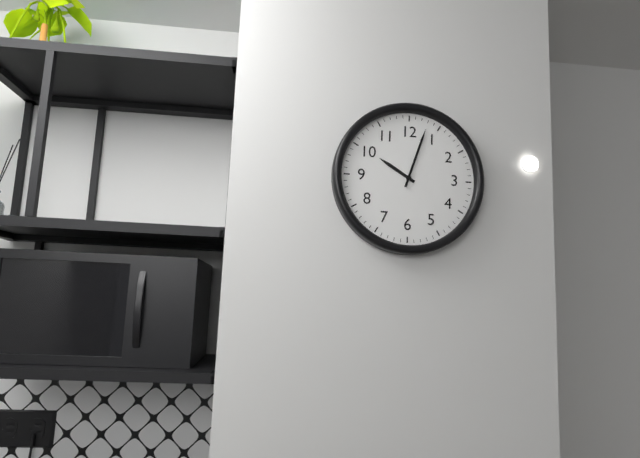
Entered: {"hour": 10, "minute": 3}
